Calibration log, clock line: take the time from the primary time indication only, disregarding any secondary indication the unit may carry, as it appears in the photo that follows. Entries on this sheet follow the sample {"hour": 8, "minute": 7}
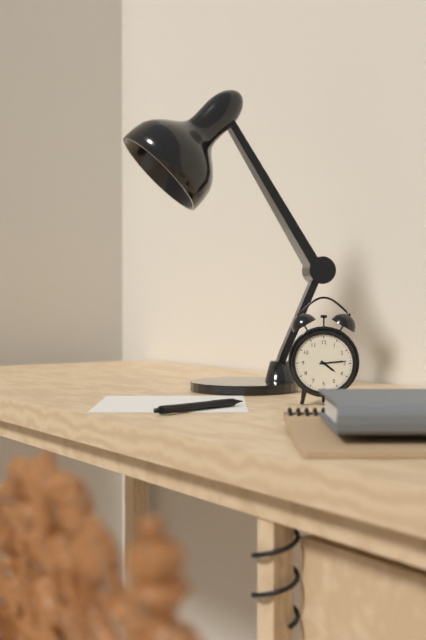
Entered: {"hour": 4, "minute": 14}
